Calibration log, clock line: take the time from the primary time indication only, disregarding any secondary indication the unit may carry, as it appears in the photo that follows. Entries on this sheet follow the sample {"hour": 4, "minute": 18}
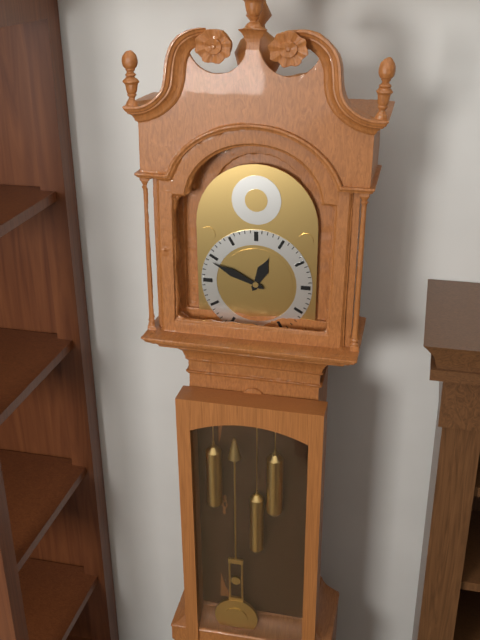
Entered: {"hour": 12, "minute": 49}
